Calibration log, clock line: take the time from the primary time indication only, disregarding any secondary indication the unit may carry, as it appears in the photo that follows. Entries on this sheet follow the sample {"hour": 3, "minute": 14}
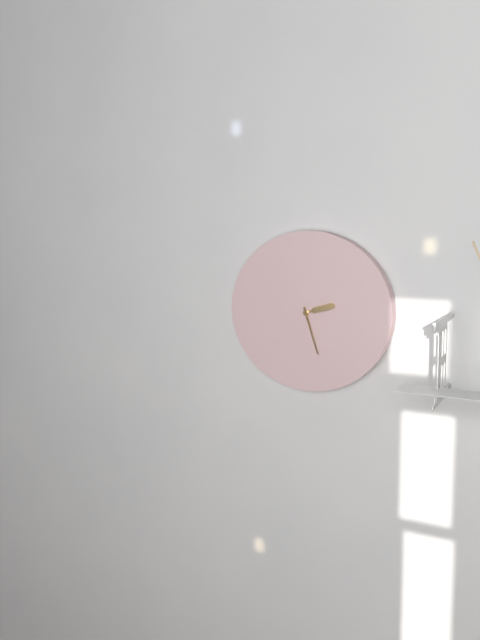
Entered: {"hour": 2, "minute": 27}
